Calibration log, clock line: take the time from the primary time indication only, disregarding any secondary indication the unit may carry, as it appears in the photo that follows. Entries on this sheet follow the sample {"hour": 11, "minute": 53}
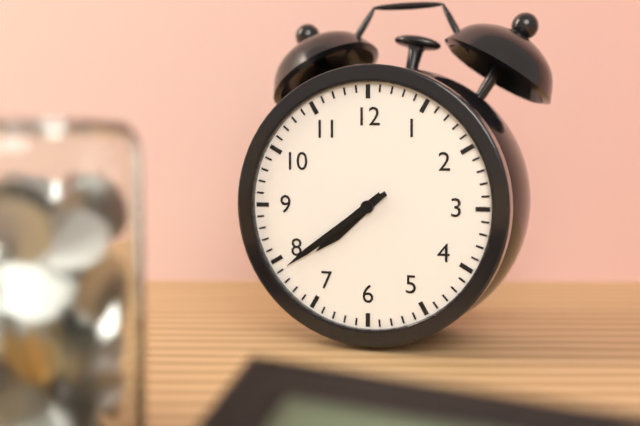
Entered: {"hour": 7, "minute": 39}
